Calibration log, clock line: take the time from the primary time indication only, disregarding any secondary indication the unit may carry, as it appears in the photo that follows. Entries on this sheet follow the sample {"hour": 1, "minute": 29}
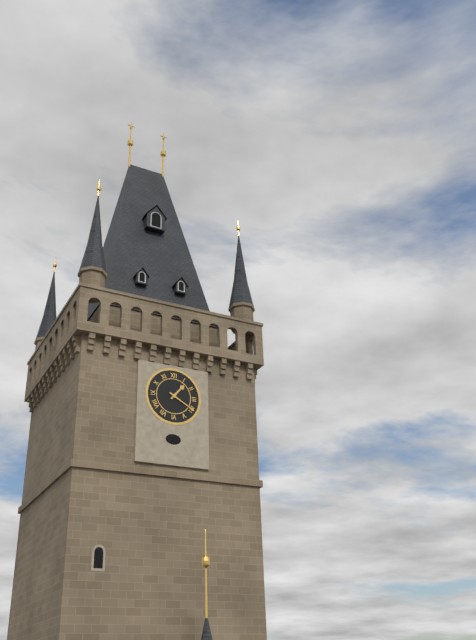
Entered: {"hour": 1, "minute": 20}
